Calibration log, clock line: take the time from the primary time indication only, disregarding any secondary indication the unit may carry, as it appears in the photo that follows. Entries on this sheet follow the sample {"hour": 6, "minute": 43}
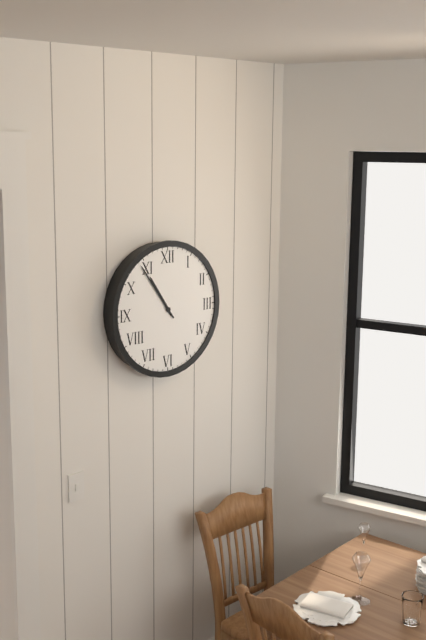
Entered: {"hour": 10, "minute": 54}
